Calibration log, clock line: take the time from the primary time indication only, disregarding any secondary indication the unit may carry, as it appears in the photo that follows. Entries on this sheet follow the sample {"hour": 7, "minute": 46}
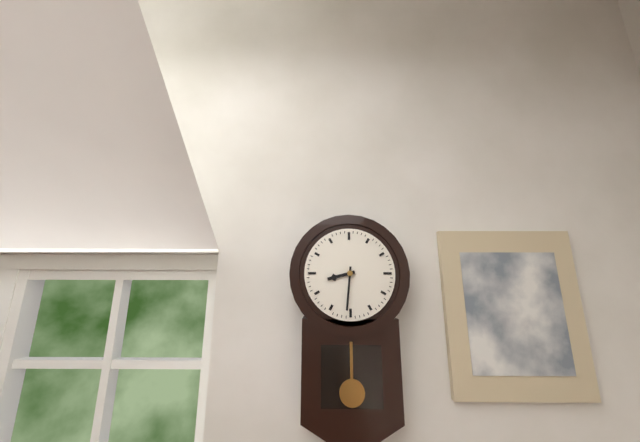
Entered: {"hour": 8, "minute": 31}
